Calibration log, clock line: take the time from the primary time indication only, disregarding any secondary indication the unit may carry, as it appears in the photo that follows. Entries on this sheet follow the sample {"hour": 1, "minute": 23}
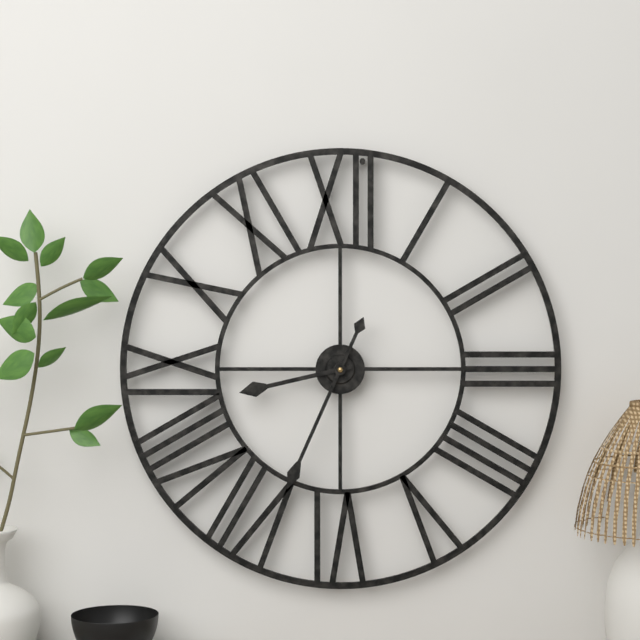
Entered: {"hour": 8, "minute": 34}
